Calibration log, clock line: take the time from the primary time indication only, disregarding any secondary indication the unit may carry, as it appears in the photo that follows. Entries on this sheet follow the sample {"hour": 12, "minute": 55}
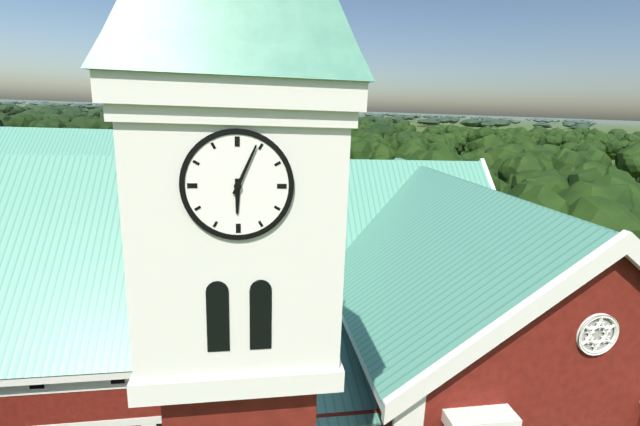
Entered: {"hour": 6, "minute": 4}
